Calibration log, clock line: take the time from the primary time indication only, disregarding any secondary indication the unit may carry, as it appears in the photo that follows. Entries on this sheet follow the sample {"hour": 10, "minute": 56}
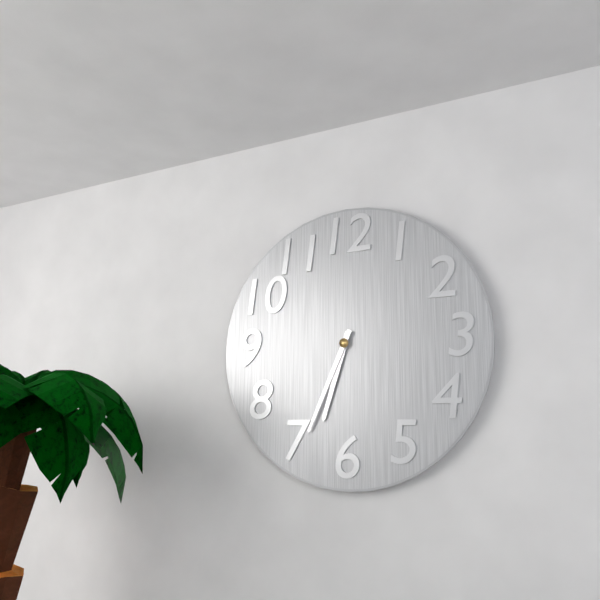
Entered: {"hour": 6, "minute": 34}
